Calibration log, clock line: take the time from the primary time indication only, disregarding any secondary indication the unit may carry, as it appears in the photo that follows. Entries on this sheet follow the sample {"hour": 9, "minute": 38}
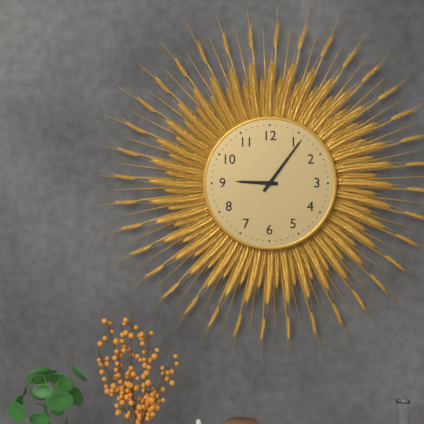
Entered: {"hour": 9, "minute": 6}
